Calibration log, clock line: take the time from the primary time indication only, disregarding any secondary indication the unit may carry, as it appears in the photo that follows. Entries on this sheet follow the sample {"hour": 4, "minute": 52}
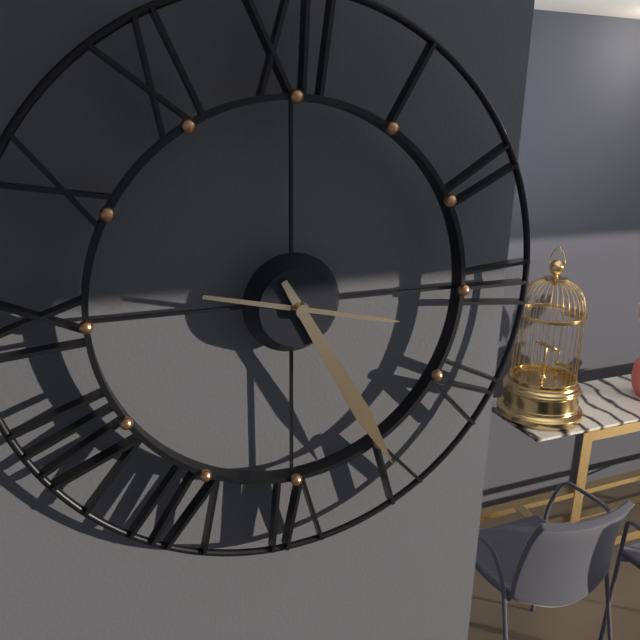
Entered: {"hour": 3, "minute": 25}
